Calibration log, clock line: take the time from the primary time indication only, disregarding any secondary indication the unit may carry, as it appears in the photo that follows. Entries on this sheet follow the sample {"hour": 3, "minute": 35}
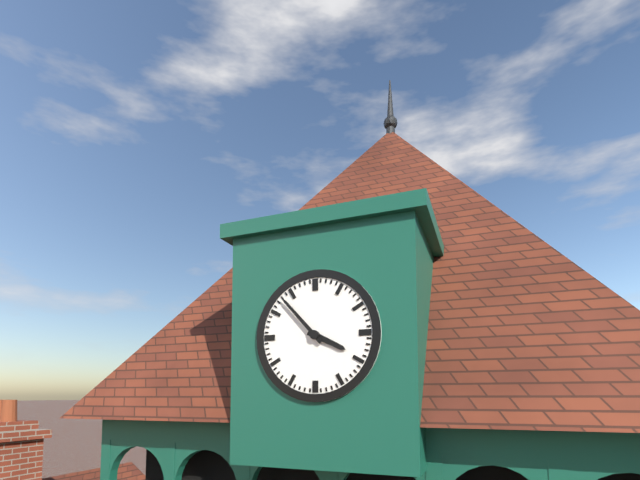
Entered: {"hour": 3, "minute": 53}
